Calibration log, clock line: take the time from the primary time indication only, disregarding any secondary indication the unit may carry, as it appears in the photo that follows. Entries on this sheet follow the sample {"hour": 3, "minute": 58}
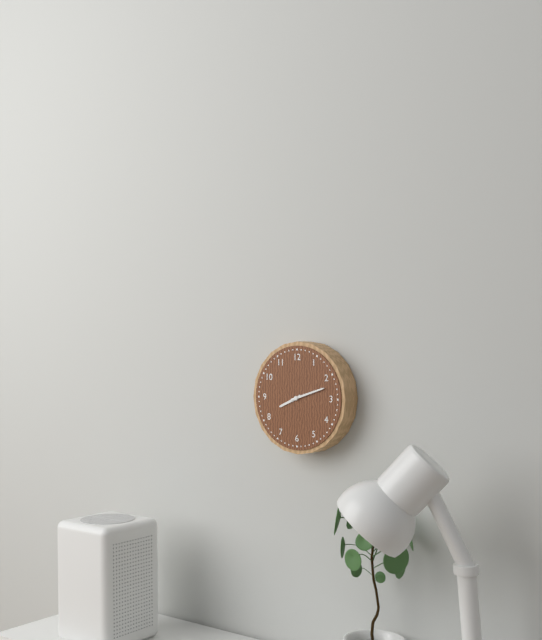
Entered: {"hour": 8, "minute": 12}
